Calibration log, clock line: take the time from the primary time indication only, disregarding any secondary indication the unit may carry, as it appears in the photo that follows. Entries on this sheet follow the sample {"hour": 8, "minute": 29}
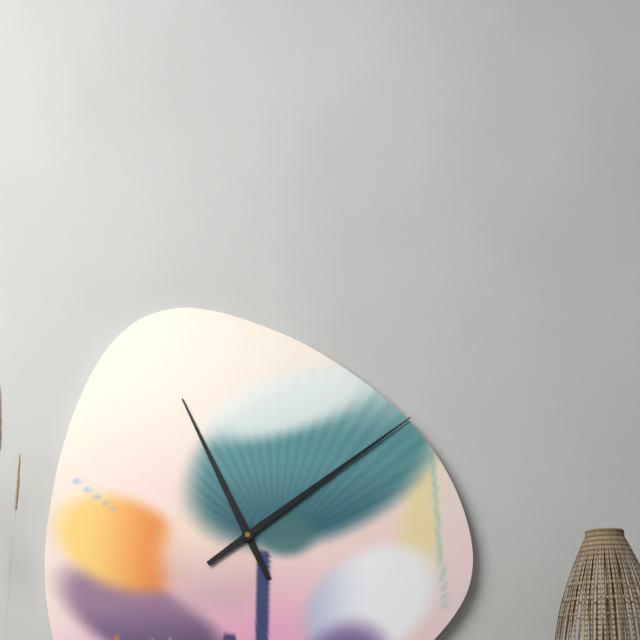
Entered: {"hour": 11, "minute": 9}
